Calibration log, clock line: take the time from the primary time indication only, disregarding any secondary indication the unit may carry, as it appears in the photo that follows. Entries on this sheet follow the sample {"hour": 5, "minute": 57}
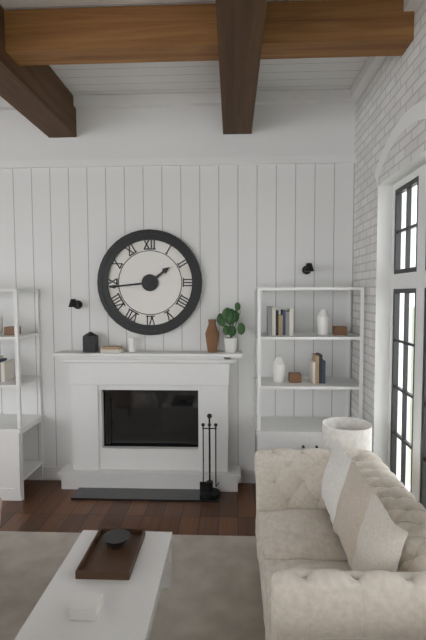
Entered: {"hour": 1, "minute": 44}
